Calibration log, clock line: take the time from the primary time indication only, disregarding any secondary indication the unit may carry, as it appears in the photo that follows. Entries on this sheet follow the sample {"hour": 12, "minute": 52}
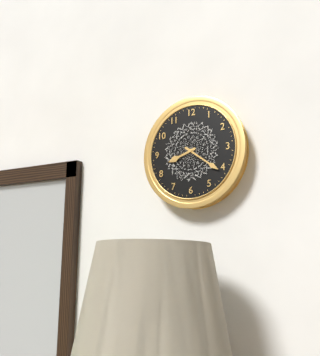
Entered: {"hour": 8, "minute": 21}
